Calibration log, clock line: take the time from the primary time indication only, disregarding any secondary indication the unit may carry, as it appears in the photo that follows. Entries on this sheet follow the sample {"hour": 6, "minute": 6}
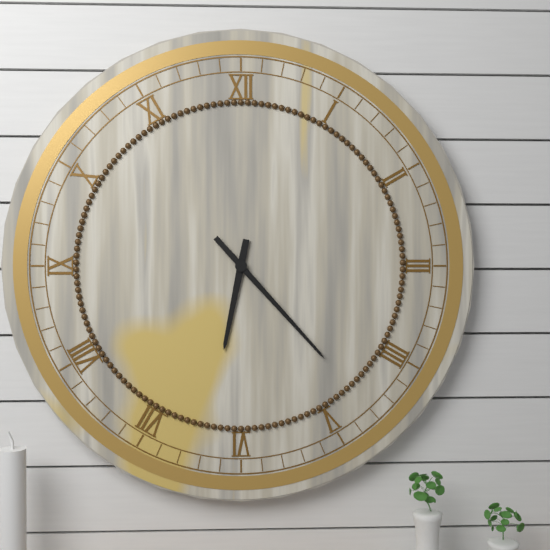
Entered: {"hour": 6, "minute": 23}
